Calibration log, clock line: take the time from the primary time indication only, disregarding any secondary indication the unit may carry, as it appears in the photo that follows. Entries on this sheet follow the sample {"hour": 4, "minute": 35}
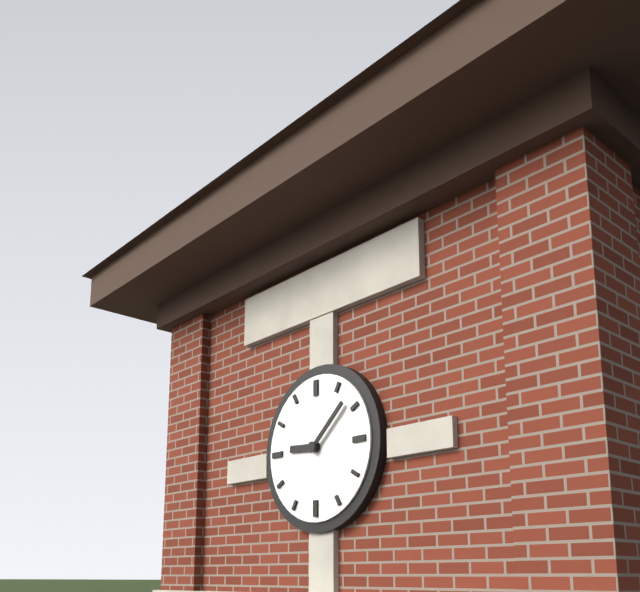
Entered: {"hour": 9, "minute": 8}
